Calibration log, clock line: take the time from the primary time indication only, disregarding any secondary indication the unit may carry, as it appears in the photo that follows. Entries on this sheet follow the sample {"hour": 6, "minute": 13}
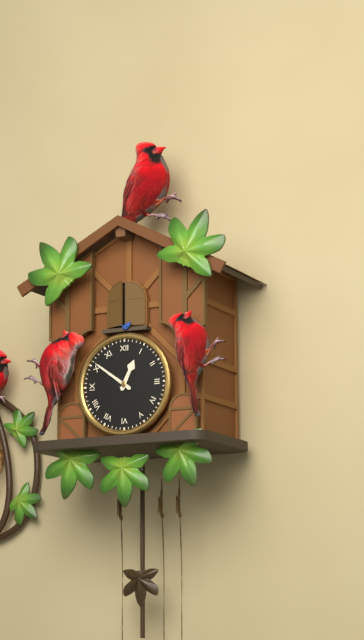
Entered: {"hour": 12, "minute": 51}
